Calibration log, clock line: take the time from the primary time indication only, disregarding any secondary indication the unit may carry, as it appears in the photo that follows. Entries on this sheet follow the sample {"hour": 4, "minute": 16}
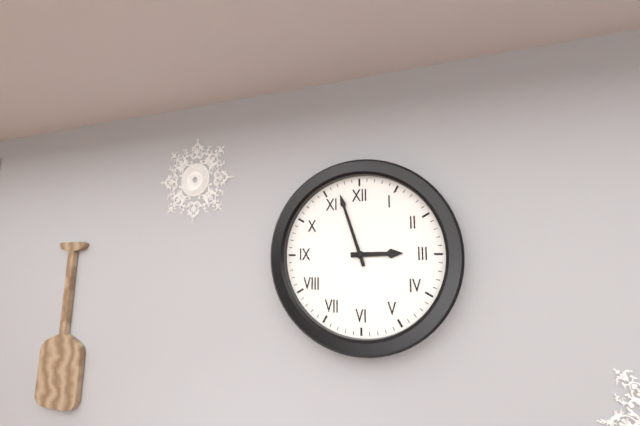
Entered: {"hour": 2, "minute": 57}
